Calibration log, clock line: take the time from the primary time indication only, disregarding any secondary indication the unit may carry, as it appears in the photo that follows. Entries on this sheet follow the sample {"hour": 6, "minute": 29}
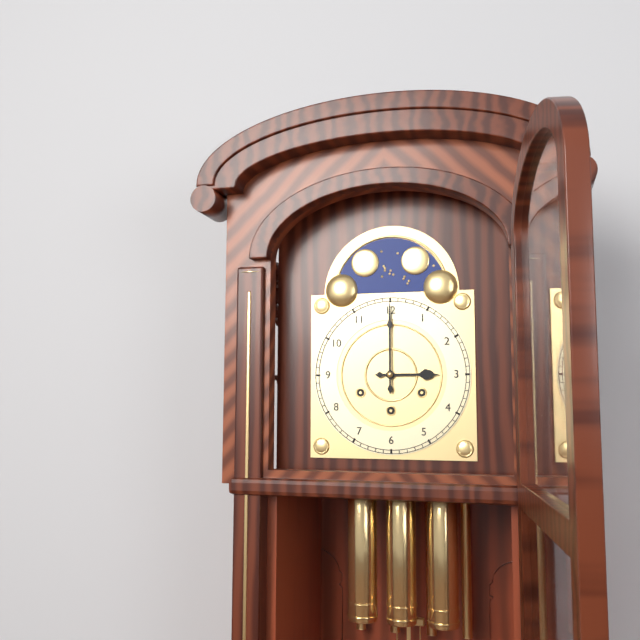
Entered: {"hour": 3, "minute": 0}
